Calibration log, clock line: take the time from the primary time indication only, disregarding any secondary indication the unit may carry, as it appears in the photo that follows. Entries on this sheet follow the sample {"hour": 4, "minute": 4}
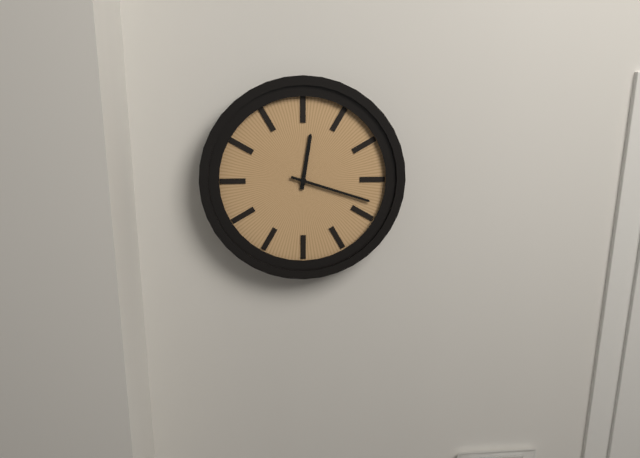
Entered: {"hour": 12, "minute": 18}
